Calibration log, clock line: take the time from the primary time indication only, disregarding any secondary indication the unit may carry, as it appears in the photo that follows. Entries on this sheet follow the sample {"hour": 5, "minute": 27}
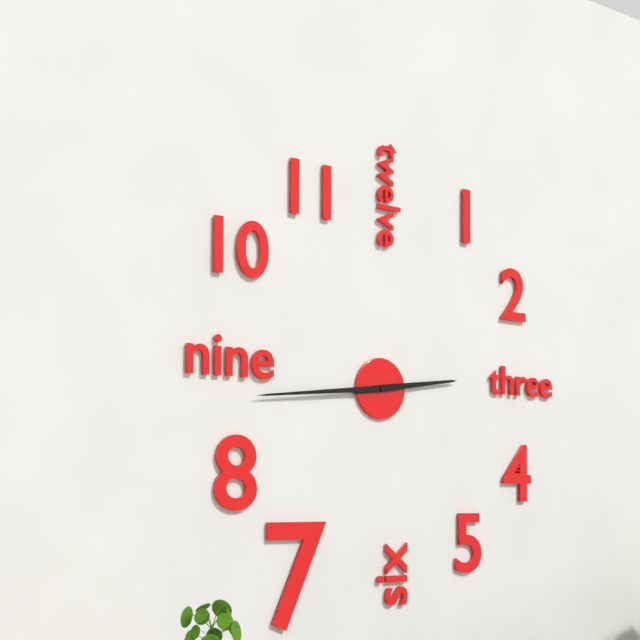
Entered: {"hour": 2, "minute": 44}
